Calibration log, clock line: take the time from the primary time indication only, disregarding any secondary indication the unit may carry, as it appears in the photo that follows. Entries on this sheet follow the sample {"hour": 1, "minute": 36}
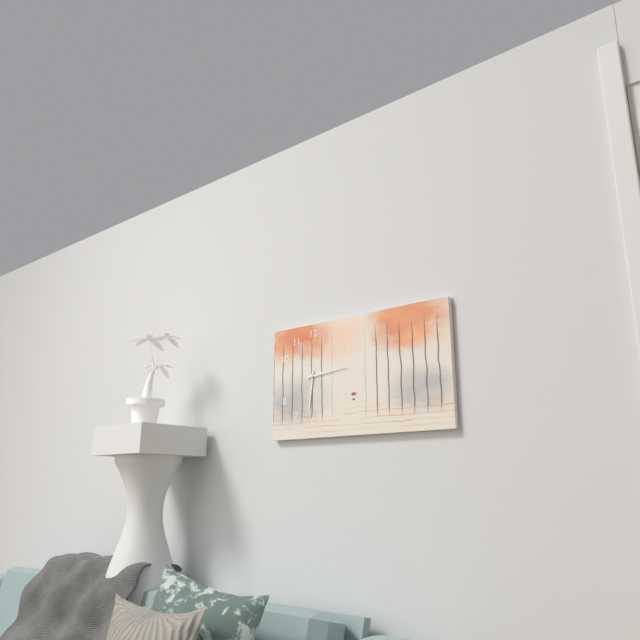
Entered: {"hour": 6, "minute": 14}
